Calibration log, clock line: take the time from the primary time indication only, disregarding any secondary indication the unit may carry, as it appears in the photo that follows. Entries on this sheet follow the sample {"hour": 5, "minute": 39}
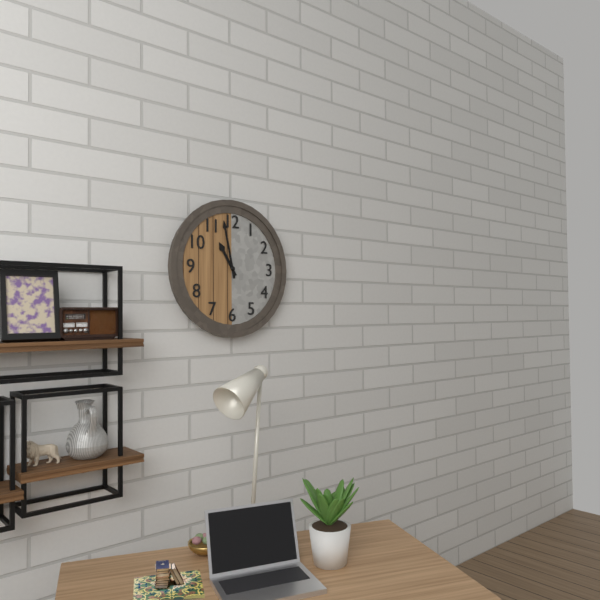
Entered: {"hour": 10, "minute": 58}
